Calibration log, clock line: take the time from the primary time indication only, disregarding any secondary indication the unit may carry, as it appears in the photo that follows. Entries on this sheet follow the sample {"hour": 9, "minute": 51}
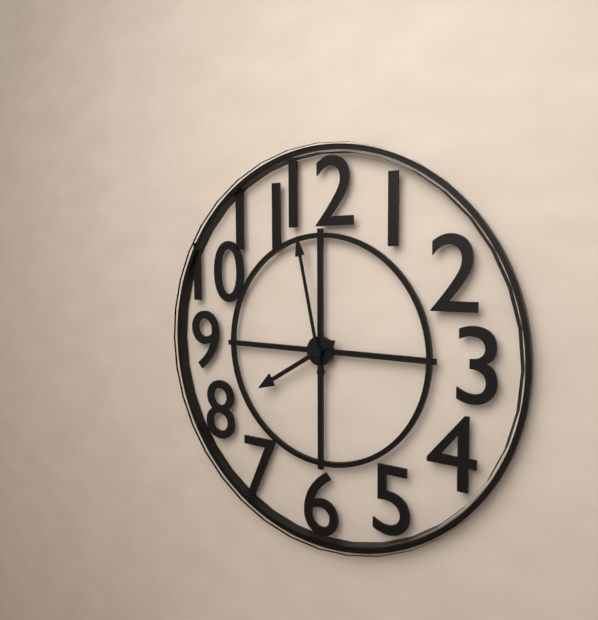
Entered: {"hour": 7, "minute": 58}
